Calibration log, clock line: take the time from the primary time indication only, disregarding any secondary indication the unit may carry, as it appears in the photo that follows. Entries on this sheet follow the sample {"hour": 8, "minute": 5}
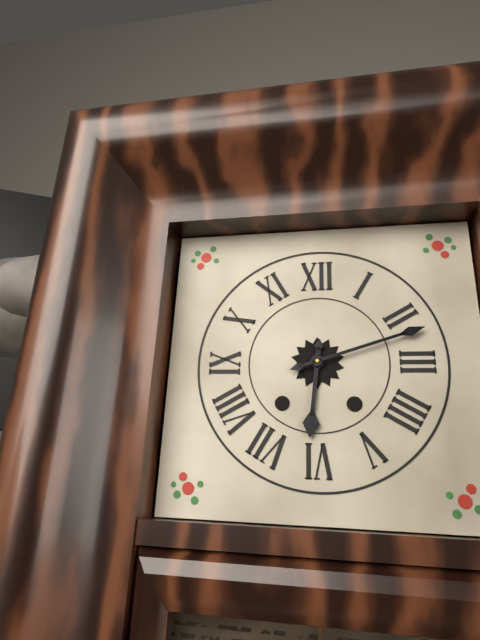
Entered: {"hour": 6, "minute": 12}
